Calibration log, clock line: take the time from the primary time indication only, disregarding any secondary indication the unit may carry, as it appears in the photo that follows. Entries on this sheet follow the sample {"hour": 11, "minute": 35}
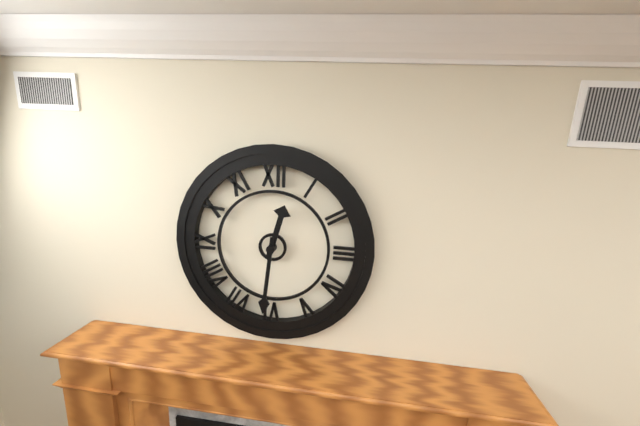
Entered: {"hour": 12, "minute": 31}
